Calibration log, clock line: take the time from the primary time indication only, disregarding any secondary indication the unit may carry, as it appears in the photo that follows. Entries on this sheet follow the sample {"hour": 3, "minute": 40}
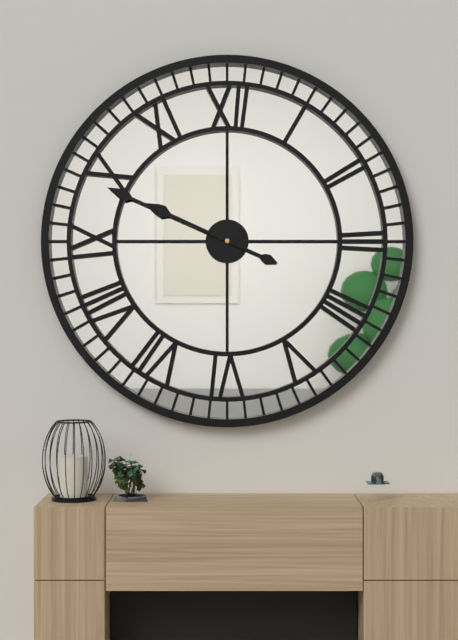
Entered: {"hour": 9, "minute": 49}
